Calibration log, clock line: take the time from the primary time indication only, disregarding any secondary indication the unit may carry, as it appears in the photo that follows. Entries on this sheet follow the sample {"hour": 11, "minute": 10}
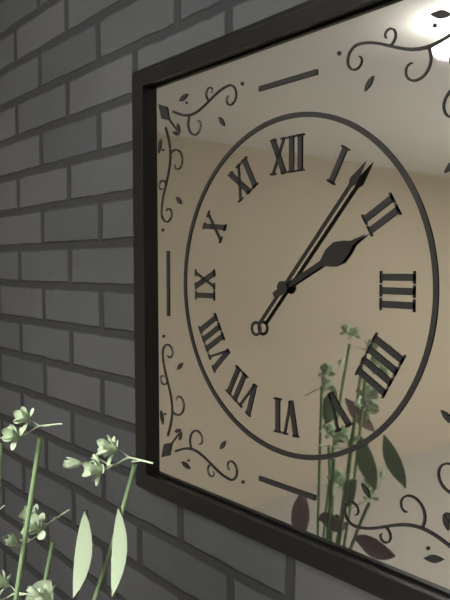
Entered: {"hour": 2, "minute": 7}
